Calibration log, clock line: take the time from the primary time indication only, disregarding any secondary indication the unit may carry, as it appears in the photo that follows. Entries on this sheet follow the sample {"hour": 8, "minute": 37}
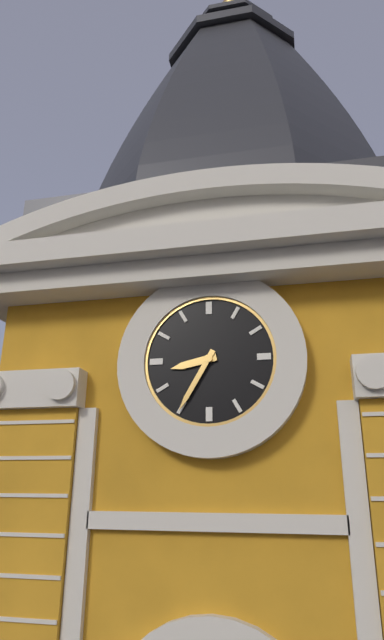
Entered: {"hour": 8, "minute": 35}
